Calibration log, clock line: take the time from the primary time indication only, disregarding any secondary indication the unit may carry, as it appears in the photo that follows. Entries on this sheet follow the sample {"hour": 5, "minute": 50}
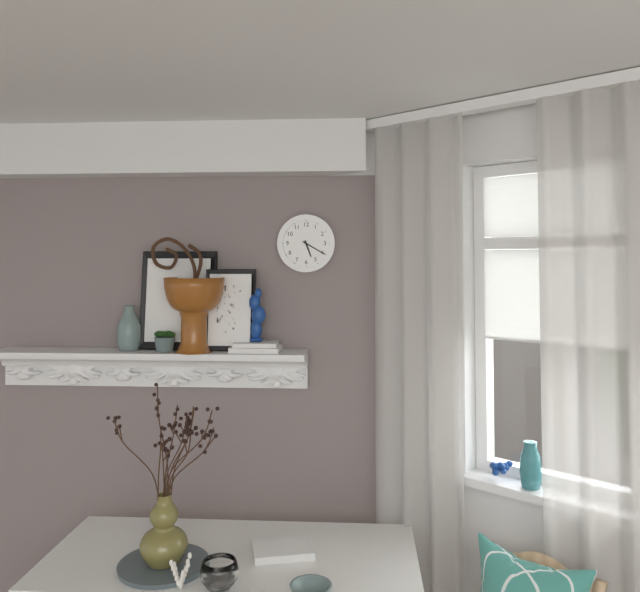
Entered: {"hour": 5, "minute": 20}
